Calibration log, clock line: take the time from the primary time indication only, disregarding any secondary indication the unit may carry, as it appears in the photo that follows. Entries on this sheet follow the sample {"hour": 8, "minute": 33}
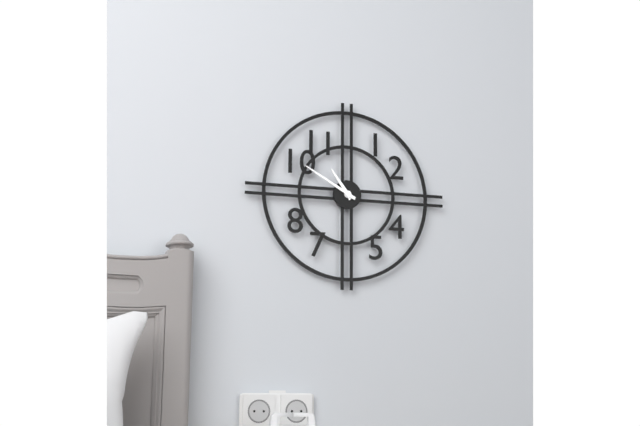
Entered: {"hour": 10, "minute": 50}
